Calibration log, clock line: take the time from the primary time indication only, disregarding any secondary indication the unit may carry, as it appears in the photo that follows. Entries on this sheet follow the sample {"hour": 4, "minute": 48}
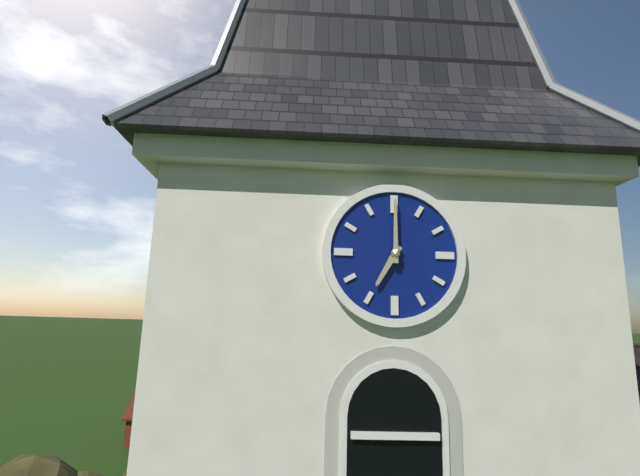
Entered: {"hour": 7, "minute": 0}
